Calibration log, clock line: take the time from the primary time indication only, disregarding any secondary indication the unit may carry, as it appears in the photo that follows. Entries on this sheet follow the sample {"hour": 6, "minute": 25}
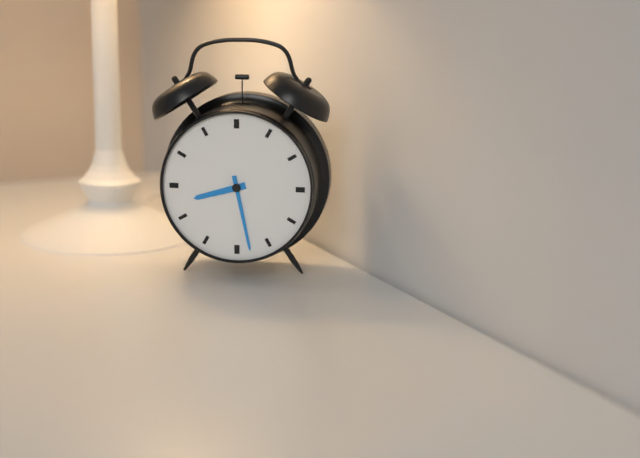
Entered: {"hour": 8, "minute": 28}
